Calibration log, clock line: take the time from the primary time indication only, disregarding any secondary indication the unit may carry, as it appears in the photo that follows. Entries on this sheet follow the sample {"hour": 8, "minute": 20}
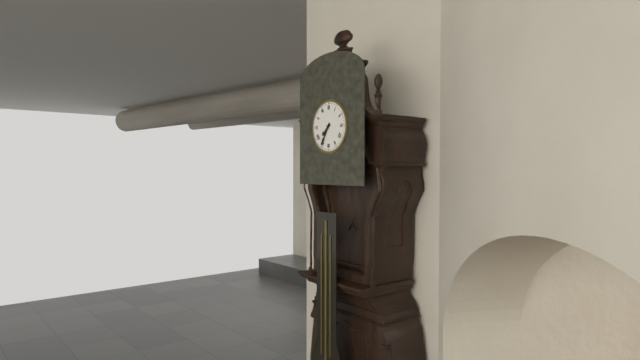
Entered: {"hour": 7, "minute": 35}
